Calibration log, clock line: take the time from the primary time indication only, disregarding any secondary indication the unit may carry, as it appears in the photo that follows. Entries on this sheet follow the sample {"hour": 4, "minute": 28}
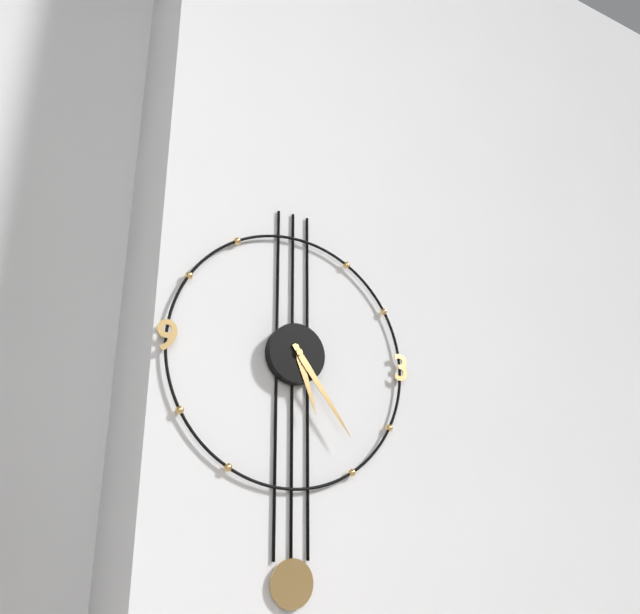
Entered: {"hour": 5, "minute": 24}
